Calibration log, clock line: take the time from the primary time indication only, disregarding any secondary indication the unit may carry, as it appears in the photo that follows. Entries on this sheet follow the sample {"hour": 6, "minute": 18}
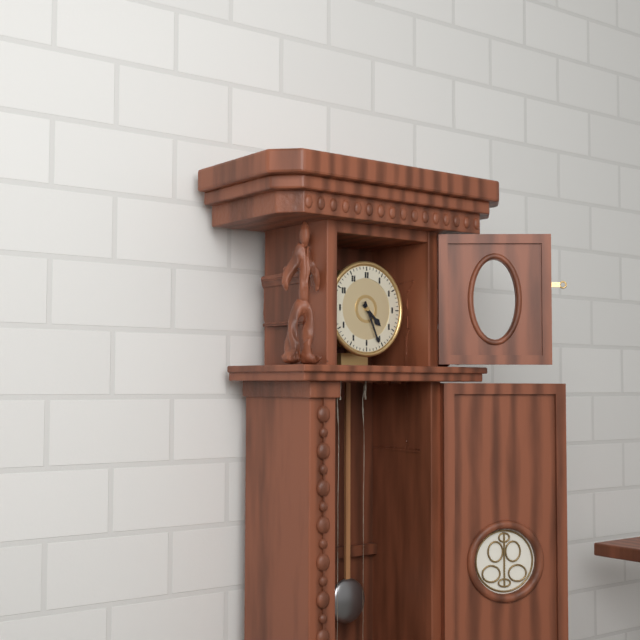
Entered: {"hour": 4, "minute": 26}
